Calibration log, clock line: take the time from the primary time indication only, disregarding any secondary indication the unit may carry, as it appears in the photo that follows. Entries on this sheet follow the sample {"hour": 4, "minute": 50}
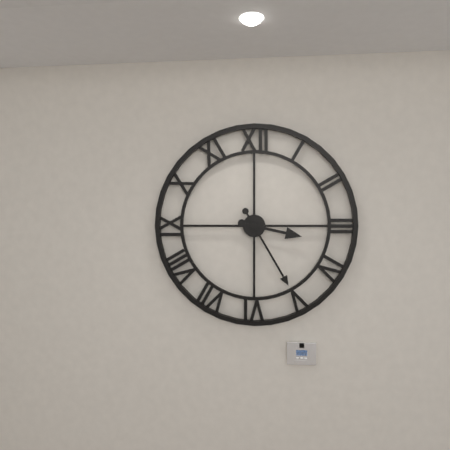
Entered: {"hour": 3, "minute": 25}
